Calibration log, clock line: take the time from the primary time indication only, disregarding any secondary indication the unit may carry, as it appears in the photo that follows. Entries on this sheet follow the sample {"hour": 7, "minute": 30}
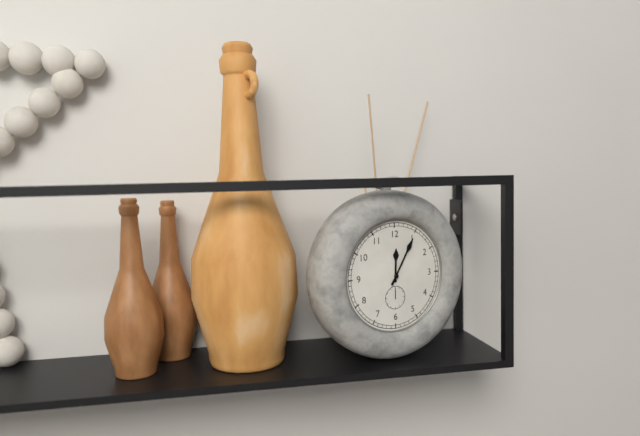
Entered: {"hour": 12, "minute": 5}
